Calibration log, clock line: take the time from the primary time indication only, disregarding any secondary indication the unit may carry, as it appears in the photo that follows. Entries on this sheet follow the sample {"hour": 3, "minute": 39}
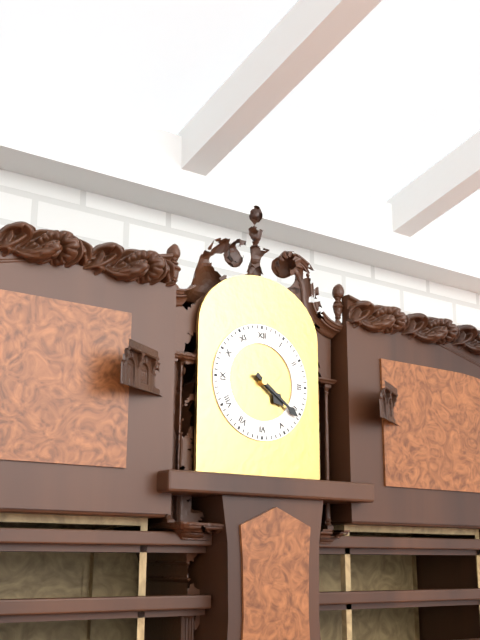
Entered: {"hour": 4, "minute": 21}
